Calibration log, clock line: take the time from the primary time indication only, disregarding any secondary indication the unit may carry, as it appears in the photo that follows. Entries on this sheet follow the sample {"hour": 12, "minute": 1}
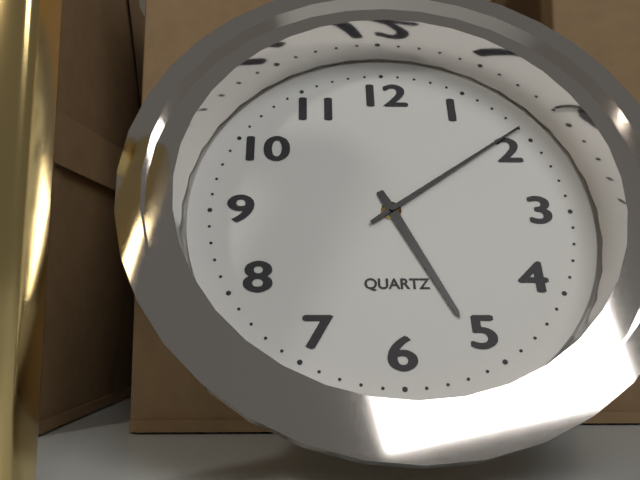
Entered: {"hour": 5, "minute": 9}
